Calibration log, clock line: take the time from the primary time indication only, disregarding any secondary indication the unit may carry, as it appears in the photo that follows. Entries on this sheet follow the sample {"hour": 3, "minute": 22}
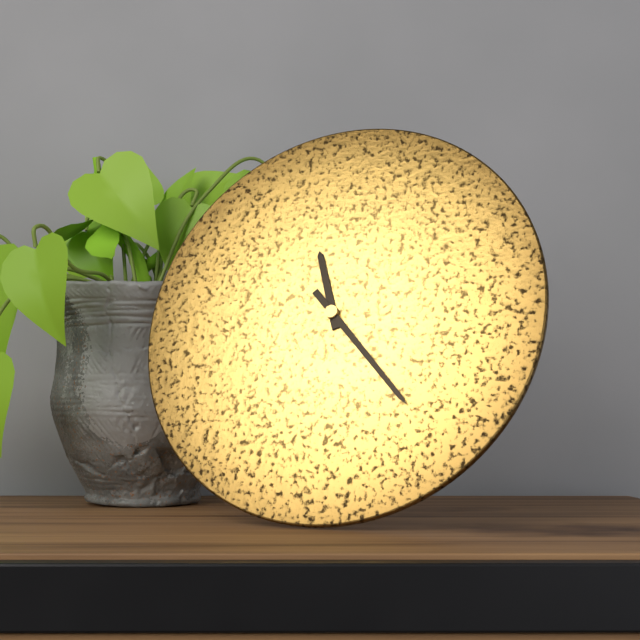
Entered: {"hour": 11, "minute": 23}
